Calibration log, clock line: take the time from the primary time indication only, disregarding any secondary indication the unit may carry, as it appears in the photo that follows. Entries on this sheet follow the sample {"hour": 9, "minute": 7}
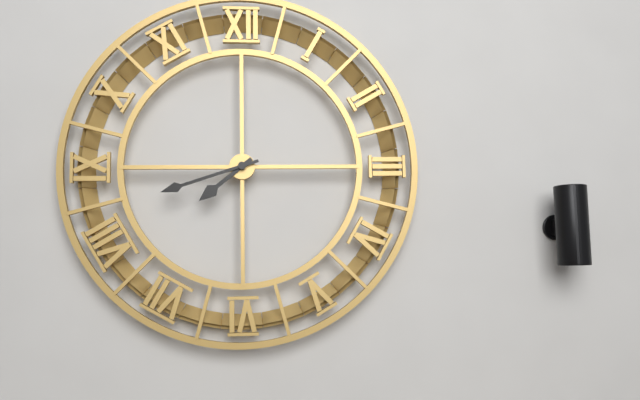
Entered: {"hour": 7, "minute": 42}
